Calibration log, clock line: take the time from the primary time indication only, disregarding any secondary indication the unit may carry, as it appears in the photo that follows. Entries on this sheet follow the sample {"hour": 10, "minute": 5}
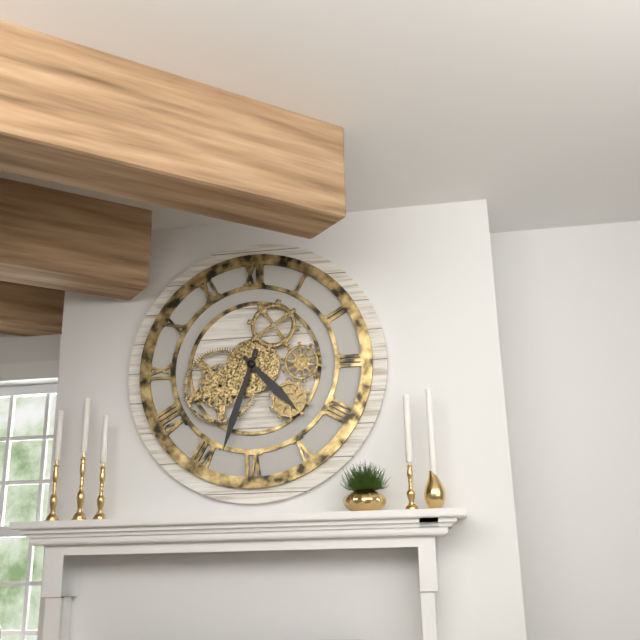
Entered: {"hour": 4, "minute": 33}
